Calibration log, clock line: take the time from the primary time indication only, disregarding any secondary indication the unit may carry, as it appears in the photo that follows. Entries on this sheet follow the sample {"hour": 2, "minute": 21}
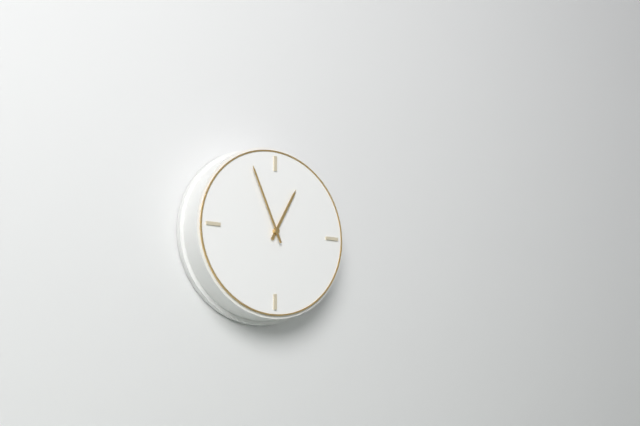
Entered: {"hour": 12, "minute": 56}
